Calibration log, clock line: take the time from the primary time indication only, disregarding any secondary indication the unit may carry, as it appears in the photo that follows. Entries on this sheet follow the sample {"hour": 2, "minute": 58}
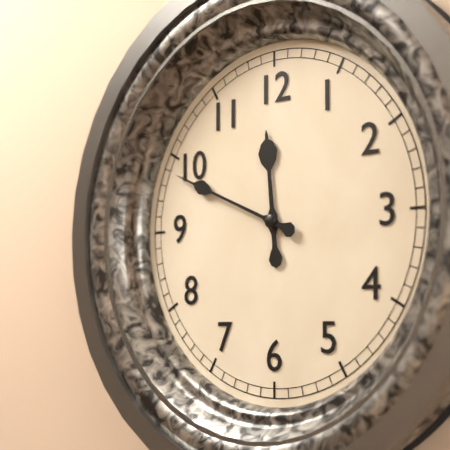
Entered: {"hour": 11, "minute": 49}
